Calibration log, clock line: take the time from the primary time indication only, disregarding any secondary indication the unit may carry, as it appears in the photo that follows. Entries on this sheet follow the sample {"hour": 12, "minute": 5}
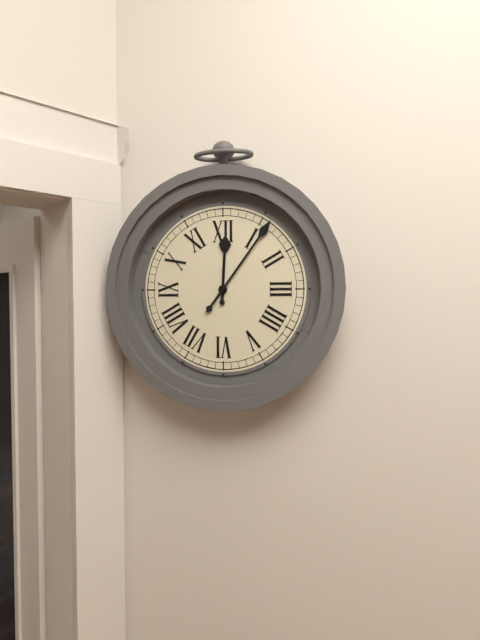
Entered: {"hour": 12, "minute": 6}
